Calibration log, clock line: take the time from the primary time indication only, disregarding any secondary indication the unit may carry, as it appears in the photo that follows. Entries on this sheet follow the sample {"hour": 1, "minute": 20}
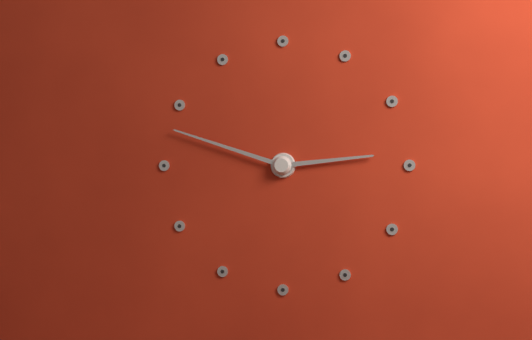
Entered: {"hour": 2, "minute": 48}
